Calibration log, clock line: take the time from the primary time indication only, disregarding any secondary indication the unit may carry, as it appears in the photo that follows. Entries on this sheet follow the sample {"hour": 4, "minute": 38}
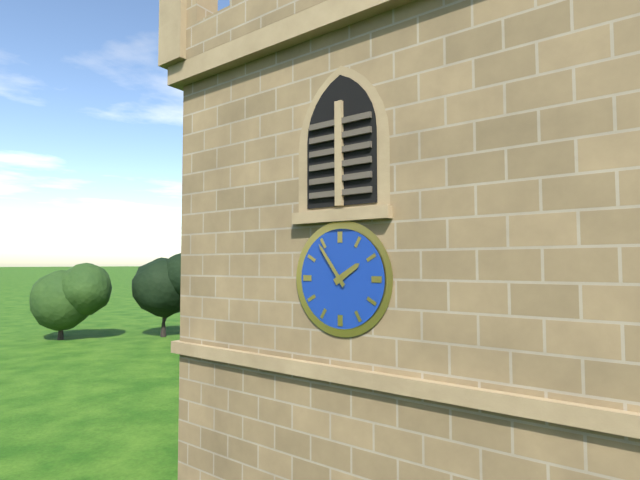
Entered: {"hour": 1, "minute": 54}
